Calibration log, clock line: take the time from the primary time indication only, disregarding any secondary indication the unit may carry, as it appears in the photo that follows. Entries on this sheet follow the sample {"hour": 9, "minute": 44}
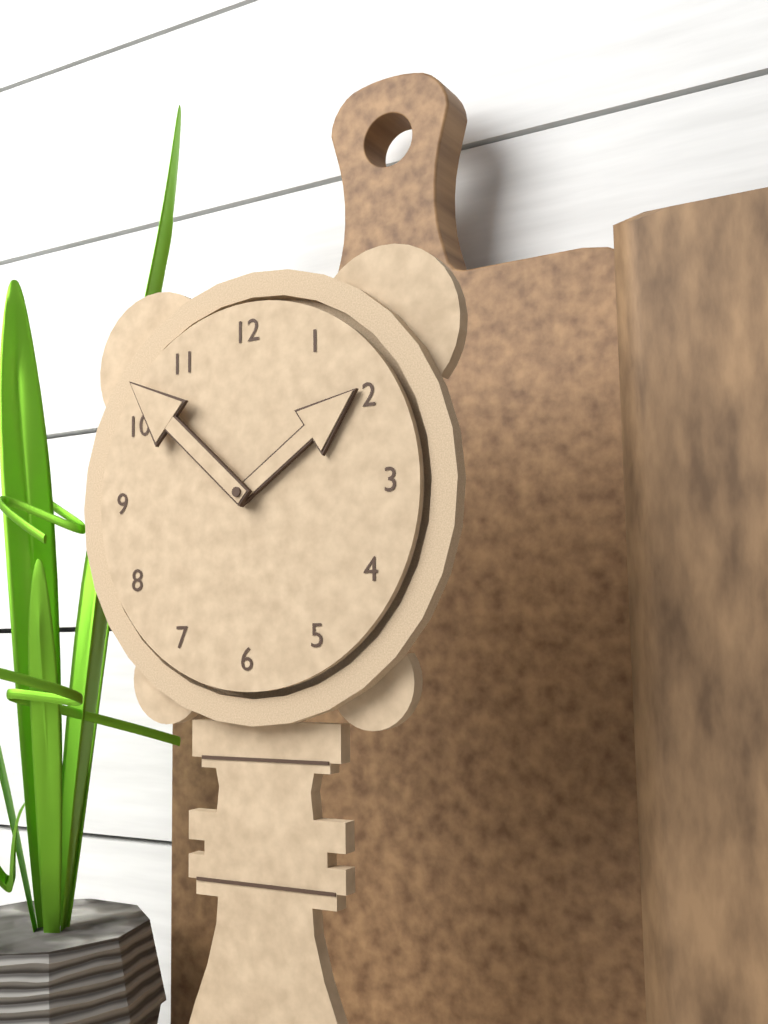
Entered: {"hour": 1, "minute": 52}
